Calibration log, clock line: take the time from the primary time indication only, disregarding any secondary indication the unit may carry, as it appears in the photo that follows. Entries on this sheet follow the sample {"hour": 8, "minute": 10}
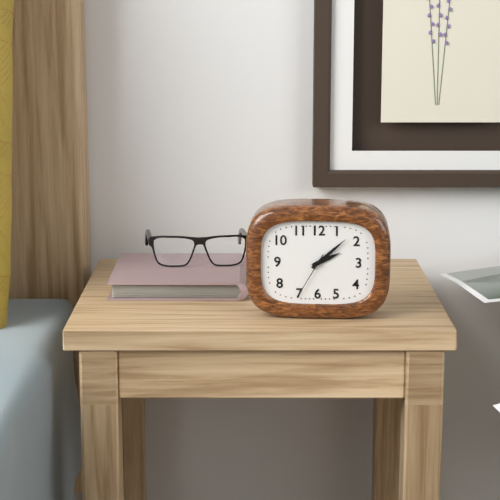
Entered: {"hour": 2, "minute": 8}
